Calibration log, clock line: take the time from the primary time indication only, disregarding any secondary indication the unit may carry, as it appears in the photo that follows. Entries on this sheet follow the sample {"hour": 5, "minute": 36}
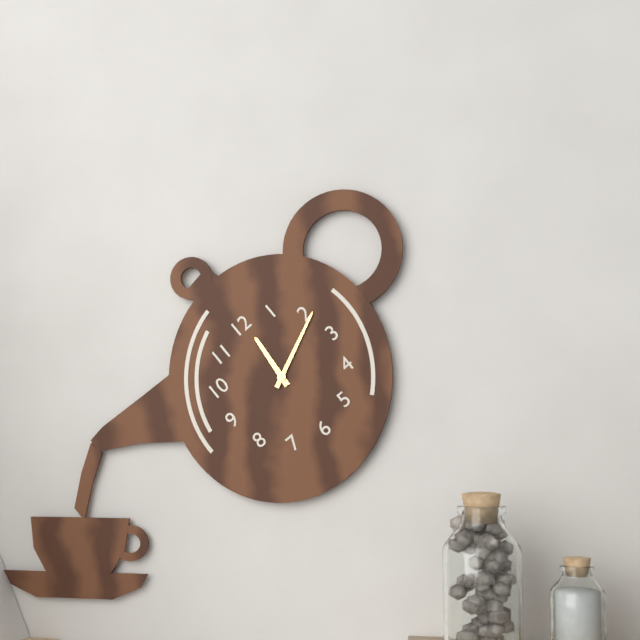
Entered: {"hour": 12, "minute": 11}
